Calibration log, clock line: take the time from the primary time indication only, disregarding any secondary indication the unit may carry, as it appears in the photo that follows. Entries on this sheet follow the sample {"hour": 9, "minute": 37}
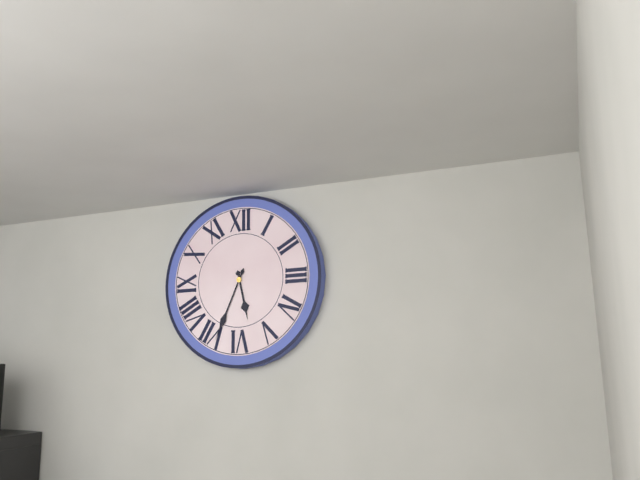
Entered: {"hour": 5, "minute": 34}
